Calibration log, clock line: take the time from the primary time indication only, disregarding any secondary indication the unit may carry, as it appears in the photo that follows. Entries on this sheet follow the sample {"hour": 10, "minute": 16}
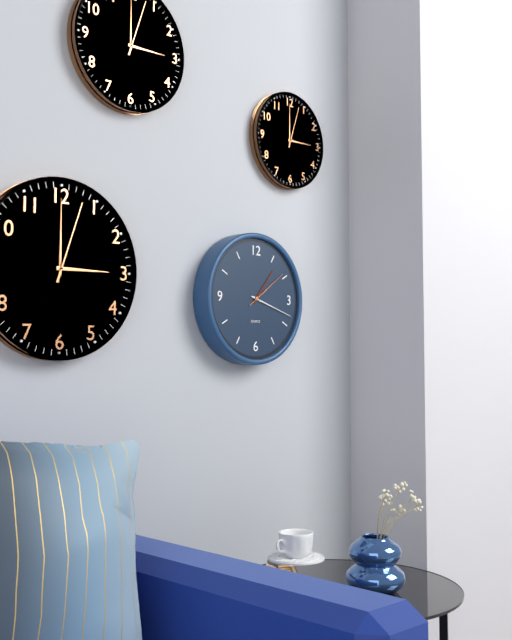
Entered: {"hour": 1, "minute": 18}
